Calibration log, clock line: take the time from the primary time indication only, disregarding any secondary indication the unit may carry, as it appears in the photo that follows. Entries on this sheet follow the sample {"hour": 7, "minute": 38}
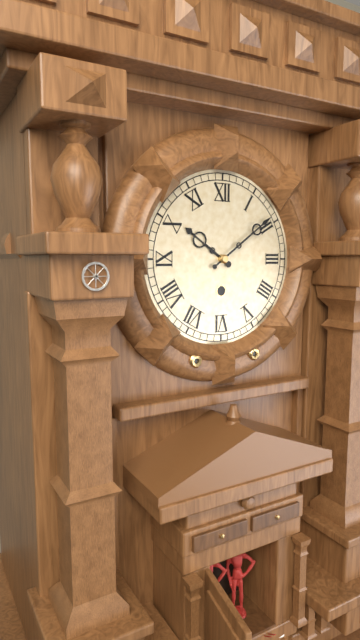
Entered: {"hour": 10, "minute": 9}
